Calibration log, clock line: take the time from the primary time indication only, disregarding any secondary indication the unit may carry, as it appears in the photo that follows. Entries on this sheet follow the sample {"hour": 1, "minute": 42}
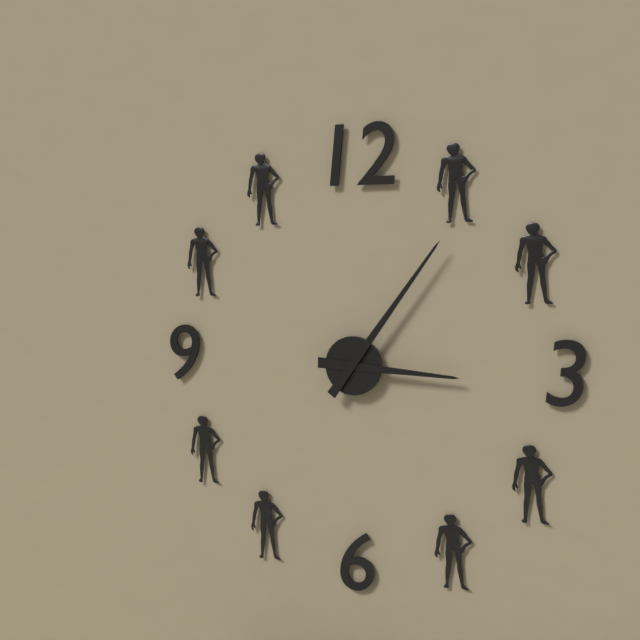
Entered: {"hour": 3, "minute": 6}
